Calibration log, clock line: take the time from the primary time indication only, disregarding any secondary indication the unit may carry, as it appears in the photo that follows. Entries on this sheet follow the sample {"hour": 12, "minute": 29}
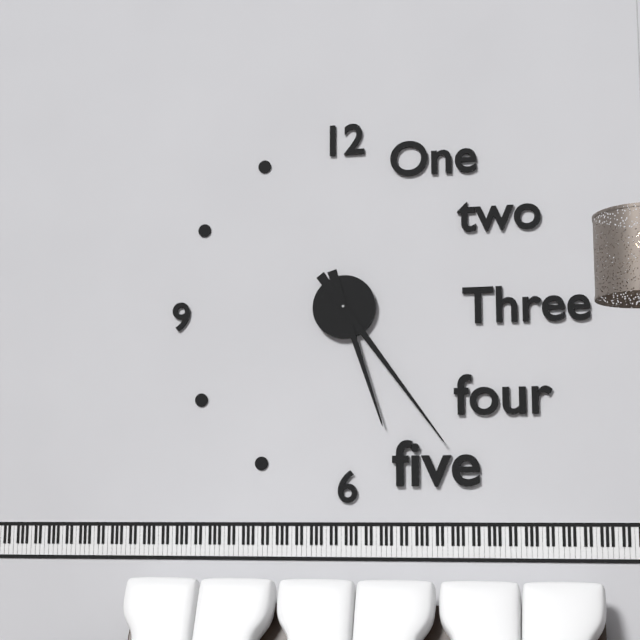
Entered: {"hour": 5, "minute": 24}
